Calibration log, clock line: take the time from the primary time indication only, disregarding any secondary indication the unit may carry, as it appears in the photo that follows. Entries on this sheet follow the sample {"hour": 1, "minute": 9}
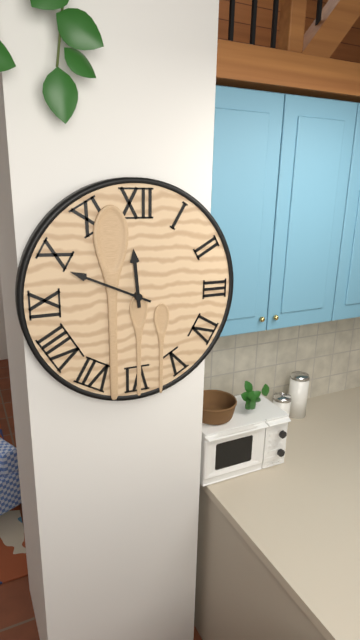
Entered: {"hour": 11, "minute": 49}
